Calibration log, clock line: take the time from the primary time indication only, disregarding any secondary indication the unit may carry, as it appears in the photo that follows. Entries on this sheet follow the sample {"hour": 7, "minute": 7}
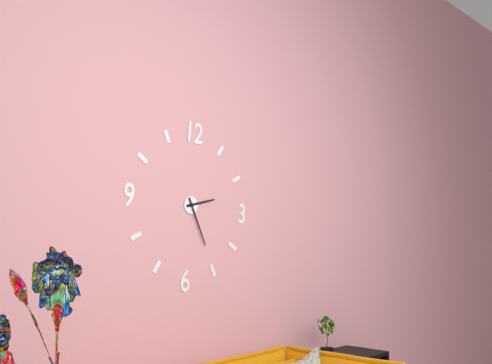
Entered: {"hour": 2, "minute": 25}
